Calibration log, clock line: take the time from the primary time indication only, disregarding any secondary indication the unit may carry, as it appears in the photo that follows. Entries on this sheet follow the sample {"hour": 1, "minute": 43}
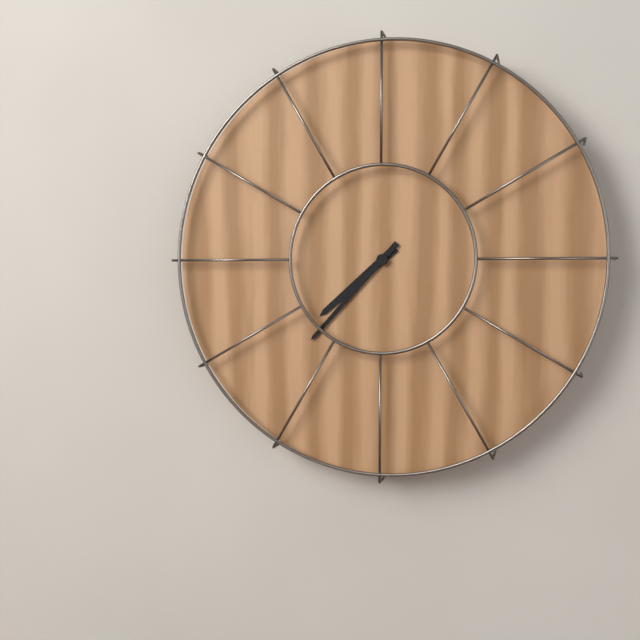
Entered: {"hour": 7, "minute": 37}
